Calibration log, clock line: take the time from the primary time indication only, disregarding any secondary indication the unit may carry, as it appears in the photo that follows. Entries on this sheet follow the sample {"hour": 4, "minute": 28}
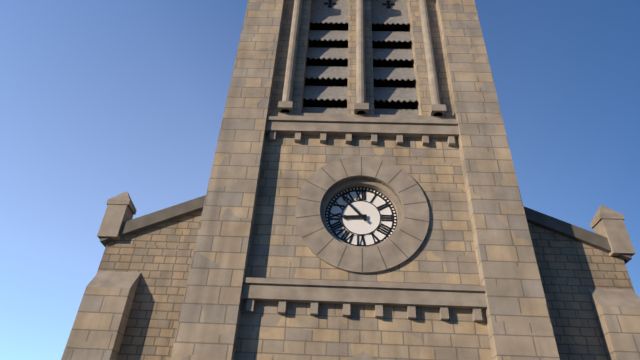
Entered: {"hour": 8, "minute": 53}
